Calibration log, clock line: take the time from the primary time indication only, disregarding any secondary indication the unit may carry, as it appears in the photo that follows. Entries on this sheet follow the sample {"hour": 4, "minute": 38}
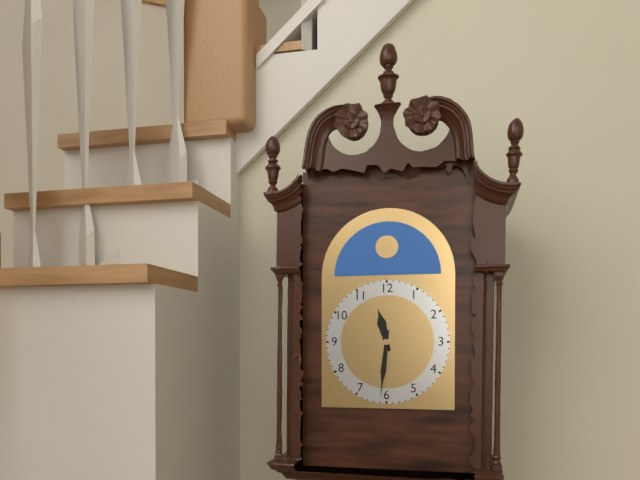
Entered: {"hour": 11, "minute": 31}
